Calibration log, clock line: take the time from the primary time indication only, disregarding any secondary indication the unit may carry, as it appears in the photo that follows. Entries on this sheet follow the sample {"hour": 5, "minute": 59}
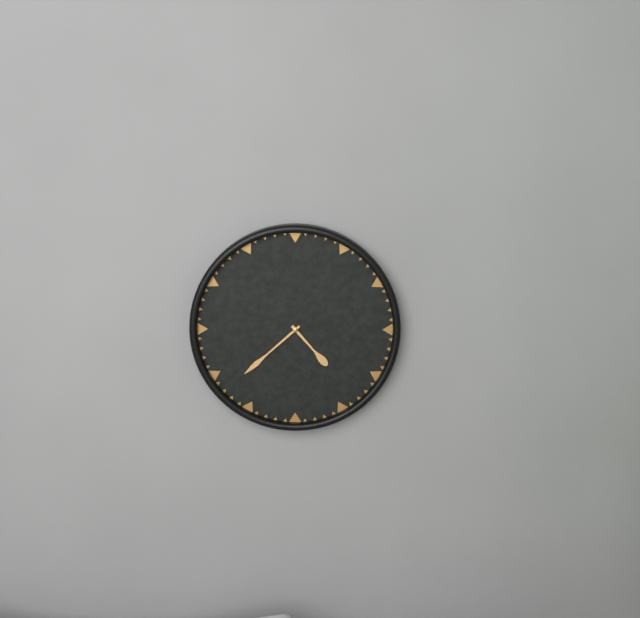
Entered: {"hour": 4, "minute": 38}
